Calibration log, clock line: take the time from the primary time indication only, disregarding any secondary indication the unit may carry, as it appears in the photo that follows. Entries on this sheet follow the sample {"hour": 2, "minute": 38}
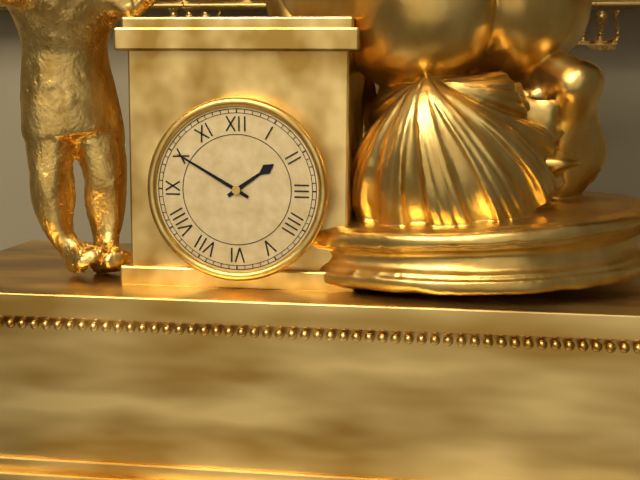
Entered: {"hour": 1, "minute": 50}
